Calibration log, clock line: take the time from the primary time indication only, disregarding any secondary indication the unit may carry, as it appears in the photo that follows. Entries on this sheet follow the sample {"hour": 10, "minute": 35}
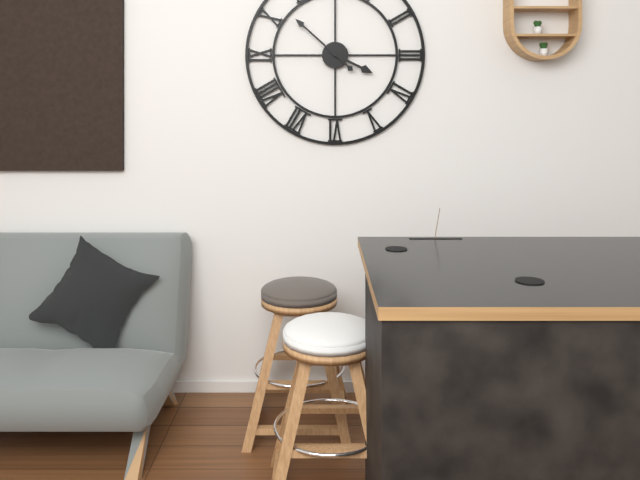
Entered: {"hour": 3, "minute": 52}
